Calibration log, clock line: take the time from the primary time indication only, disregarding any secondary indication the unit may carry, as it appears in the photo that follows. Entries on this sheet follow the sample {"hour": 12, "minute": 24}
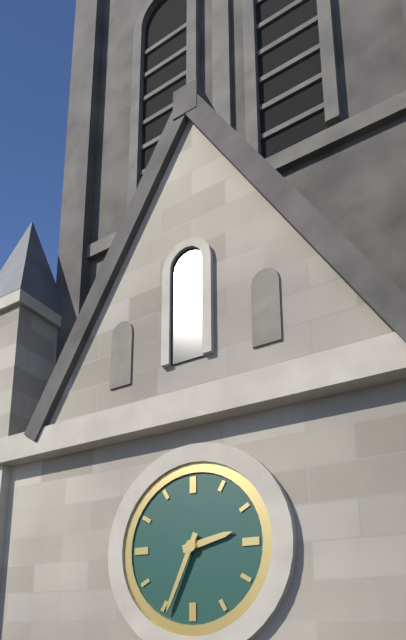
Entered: {"hour": 2, "minute": 34}
